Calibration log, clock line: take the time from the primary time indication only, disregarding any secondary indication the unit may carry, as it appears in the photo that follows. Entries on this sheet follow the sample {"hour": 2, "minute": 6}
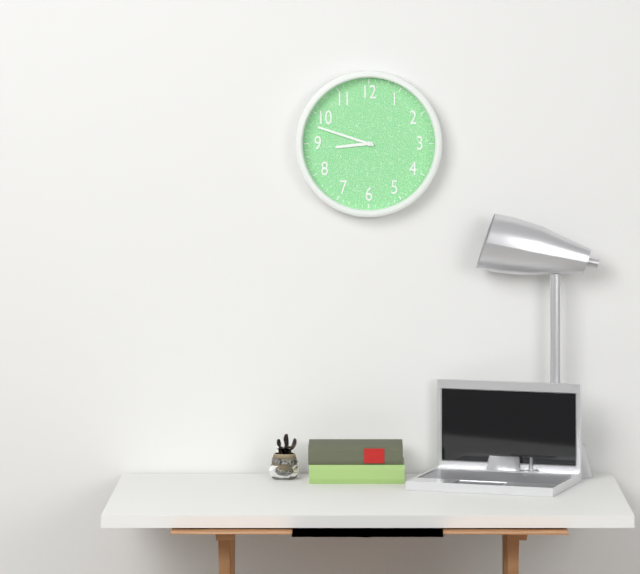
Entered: {"hour": 8, "minute": 48}
